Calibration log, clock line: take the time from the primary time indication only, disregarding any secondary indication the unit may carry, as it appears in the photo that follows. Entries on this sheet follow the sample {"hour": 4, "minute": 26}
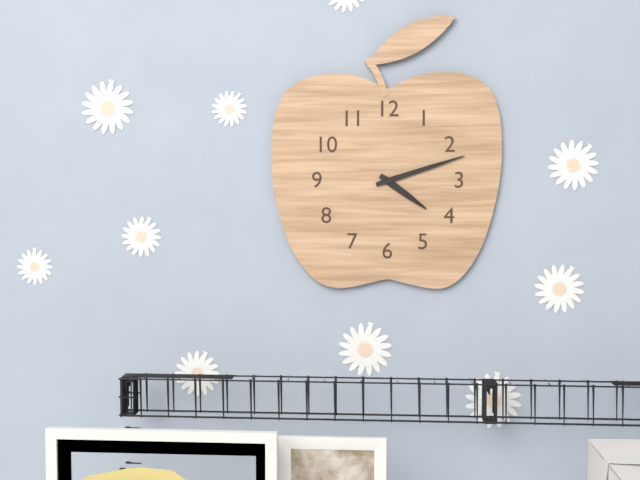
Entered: {"hour": 4, "minute": 12}
